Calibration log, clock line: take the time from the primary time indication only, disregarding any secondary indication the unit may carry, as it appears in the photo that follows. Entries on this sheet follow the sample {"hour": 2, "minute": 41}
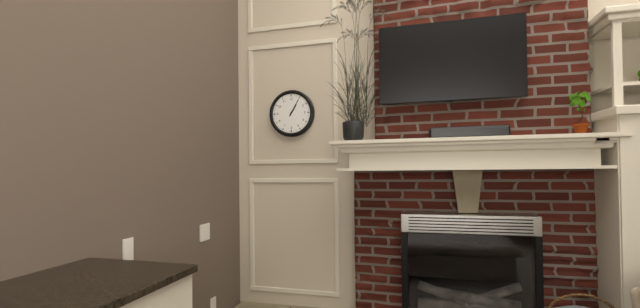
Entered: {"hour": 1, "minute": 5}
